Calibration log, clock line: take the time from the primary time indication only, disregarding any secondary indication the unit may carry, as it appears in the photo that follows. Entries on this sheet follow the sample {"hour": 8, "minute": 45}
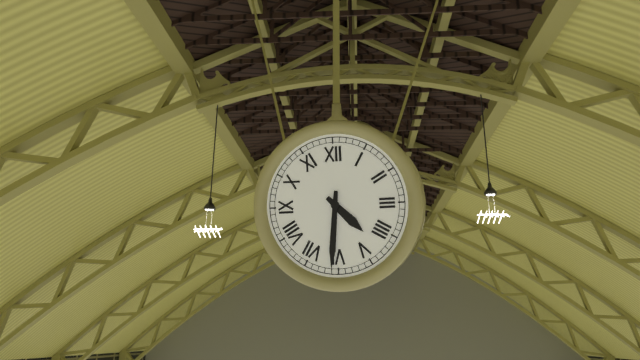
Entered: {"hour": 4, "minute": 31}
